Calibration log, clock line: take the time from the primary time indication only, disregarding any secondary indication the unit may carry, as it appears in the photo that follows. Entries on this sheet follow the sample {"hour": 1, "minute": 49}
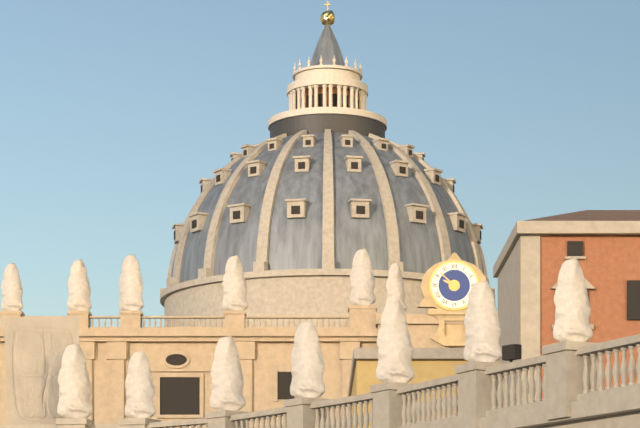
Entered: {"hour": 9, "minute": 52}
